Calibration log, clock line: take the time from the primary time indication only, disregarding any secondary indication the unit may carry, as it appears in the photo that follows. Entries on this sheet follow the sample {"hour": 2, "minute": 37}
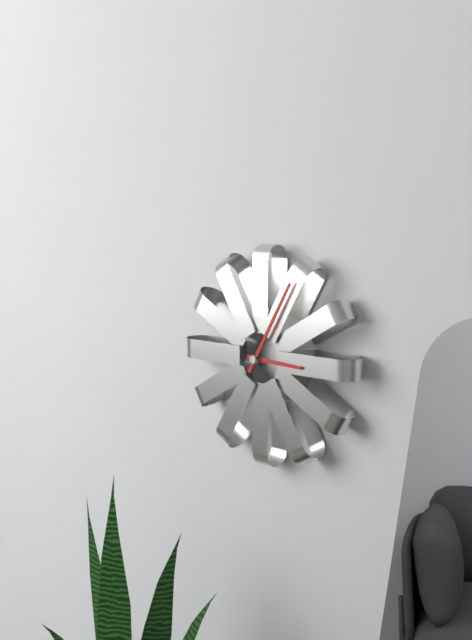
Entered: {"hour": 3, "minute": 5}
